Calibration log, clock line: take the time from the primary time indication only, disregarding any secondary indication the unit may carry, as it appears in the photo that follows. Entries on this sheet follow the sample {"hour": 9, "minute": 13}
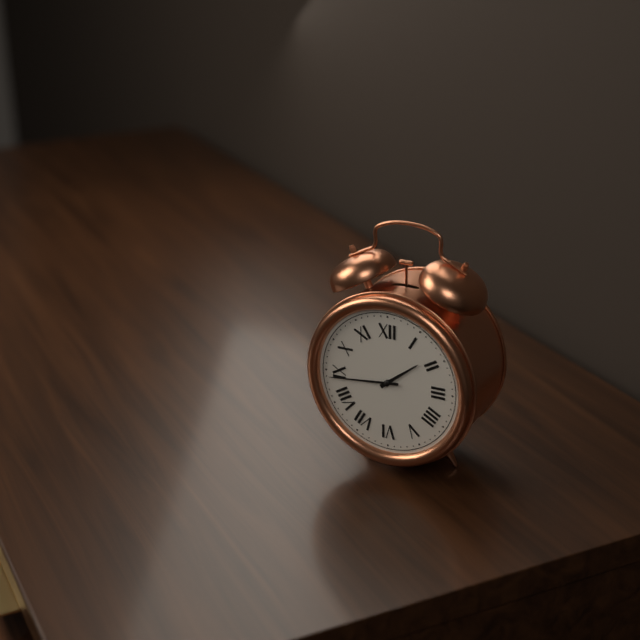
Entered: {"hour": 1, "minute": 44}
